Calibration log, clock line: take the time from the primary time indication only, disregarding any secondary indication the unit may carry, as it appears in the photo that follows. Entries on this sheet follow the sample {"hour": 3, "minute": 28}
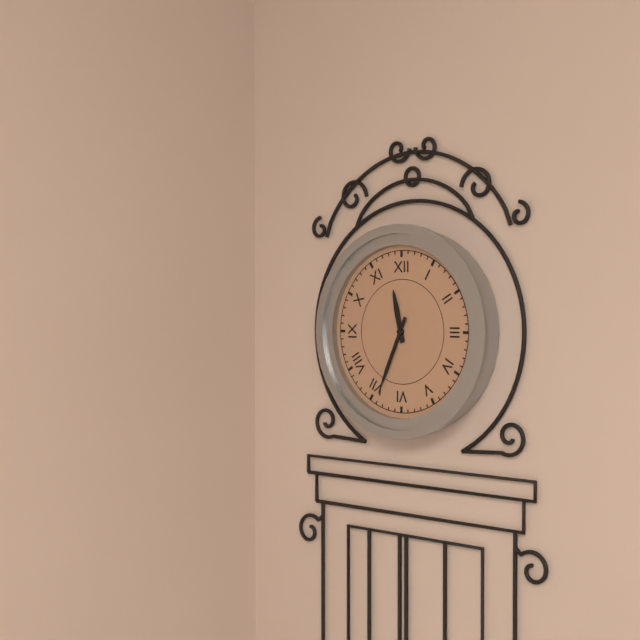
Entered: {"hour": 11, "minute": 34}
